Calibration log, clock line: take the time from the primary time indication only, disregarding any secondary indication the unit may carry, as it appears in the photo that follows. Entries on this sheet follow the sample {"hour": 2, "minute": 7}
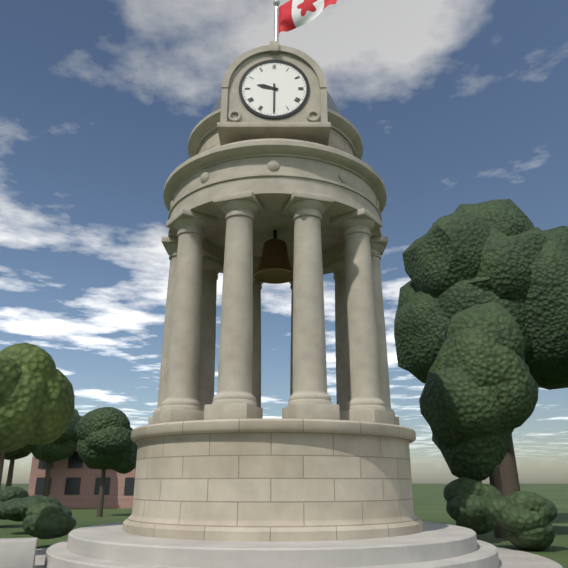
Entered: {"hour": 9, "minute": 30}
